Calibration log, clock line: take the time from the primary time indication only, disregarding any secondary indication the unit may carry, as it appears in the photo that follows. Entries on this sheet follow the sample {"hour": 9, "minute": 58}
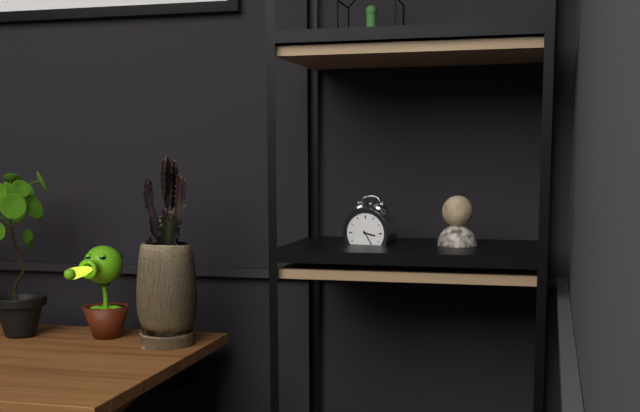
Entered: {"hour": 3, "minute": 25}
